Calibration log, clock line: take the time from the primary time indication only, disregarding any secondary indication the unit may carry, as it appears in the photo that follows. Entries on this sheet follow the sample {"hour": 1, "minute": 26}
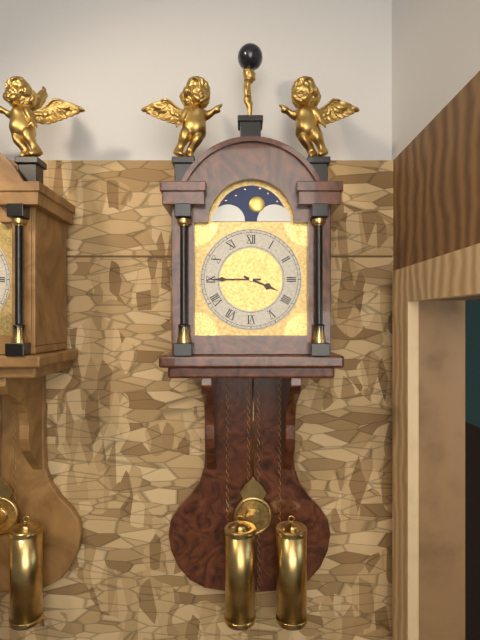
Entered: {"hour": 3, "minute": 45}
